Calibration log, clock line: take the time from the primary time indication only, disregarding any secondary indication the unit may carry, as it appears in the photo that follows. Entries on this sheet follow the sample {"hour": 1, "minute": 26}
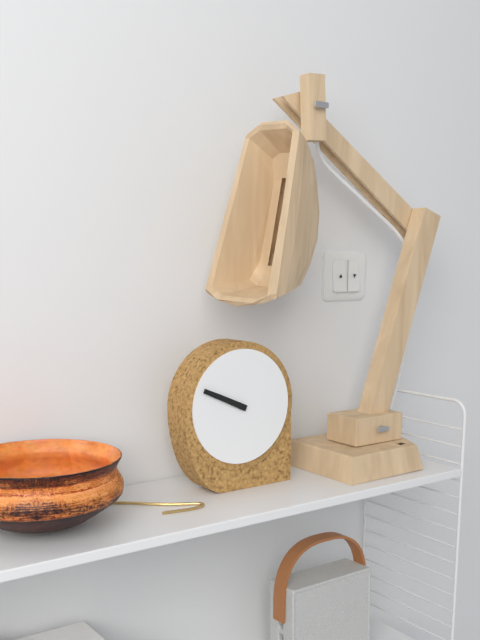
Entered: {"hour": 9, "minute": 49}
